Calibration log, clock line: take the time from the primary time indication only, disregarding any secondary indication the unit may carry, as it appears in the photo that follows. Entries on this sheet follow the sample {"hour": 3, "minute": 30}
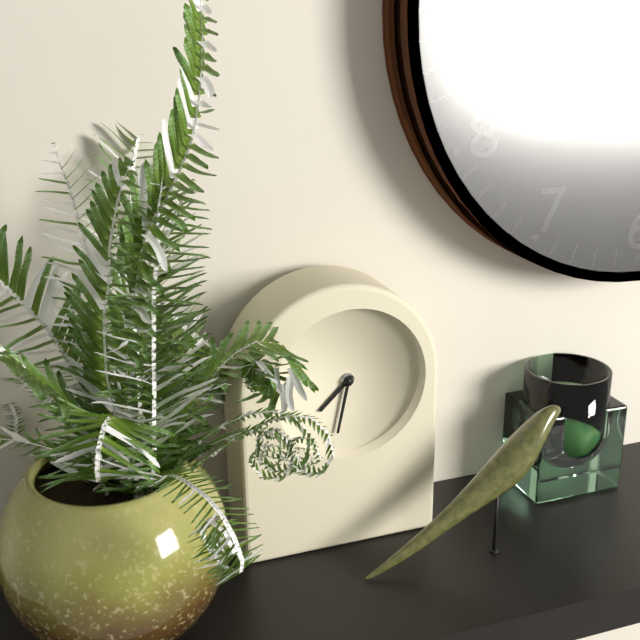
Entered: {"hour": 7, "minute": 32}
